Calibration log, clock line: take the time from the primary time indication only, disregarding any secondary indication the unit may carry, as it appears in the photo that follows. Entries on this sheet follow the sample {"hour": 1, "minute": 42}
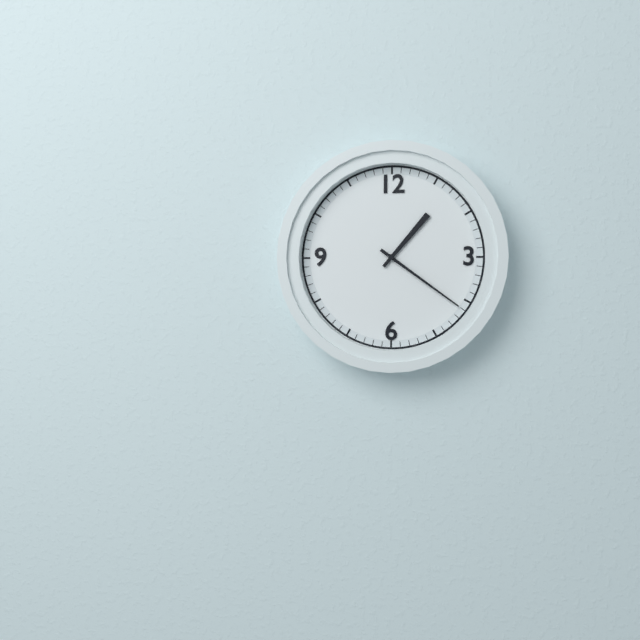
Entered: {"hour": 1, "minute": 21}
